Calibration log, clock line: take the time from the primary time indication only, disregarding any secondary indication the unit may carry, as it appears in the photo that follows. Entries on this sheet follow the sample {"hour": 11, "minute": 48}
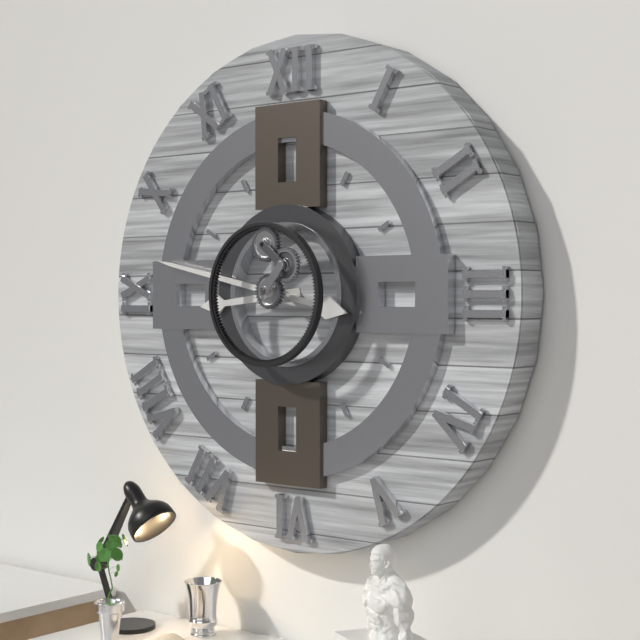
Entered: {"hour": 8, "minute": 47}
